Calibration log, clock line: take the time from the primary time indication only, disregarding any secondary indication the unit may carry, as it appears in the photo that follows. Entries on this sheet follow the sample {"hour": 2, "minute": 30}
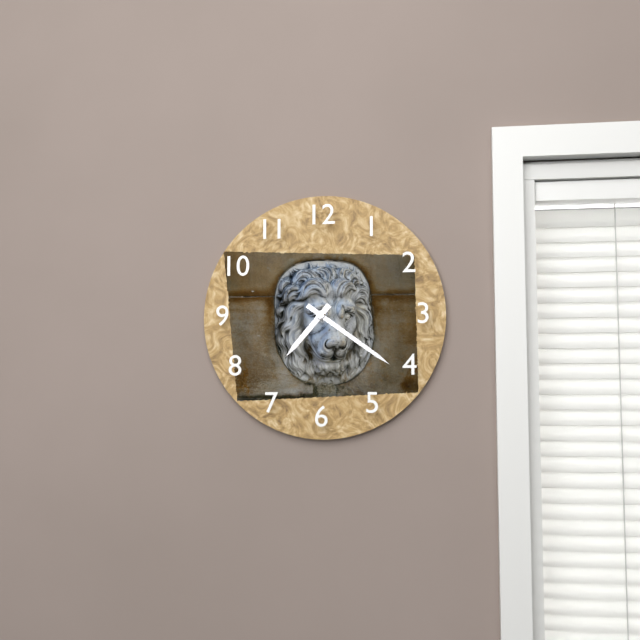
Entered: {"hour": 7, "minute": 21}
